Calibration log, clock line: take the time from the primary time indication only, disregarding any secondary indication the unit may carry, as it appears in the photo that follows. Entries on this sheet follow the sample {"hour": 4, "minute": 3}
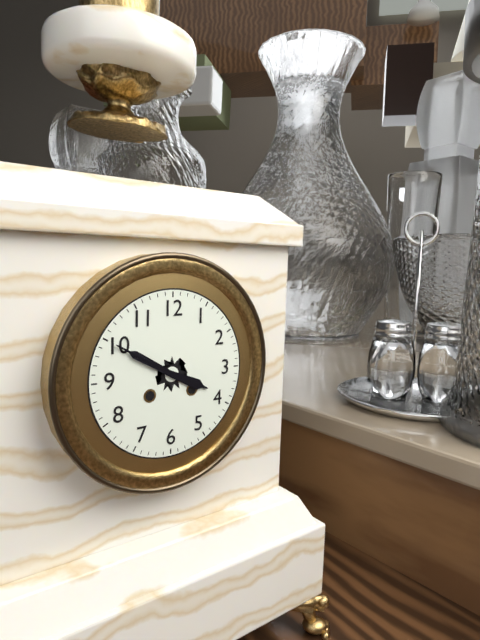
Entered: {"hour": 3, "minute": 50}
